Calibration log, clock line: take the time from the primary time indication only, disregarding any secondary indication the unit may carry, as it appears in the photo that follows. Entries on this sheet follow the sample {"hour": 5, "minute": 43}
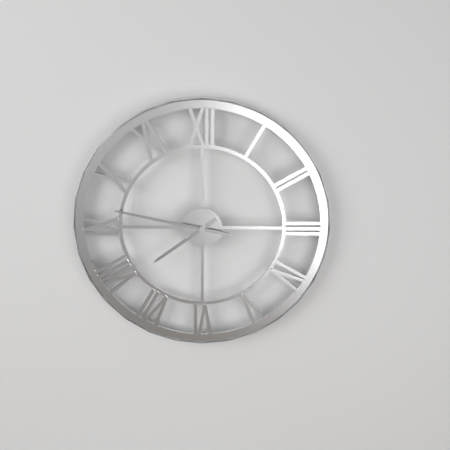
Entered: {"hour": 7, "minute": 47}
